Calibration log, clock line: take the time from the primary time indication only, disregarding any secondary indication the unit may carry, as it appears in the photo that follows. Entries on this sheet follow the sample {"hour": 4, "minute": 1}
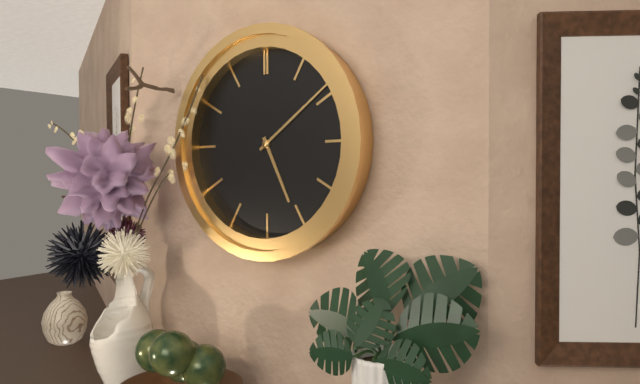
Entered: {"hour": 5, "minute": 9}
